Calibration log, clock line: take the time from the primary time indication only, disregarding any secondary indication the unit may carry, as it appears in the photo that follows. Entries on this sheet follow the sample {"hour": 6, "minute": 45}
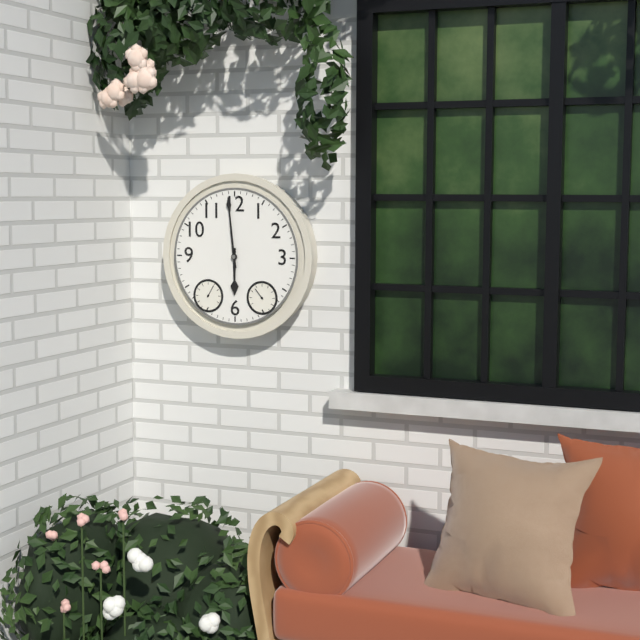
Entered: {"hour": 5, "minute": 59}
